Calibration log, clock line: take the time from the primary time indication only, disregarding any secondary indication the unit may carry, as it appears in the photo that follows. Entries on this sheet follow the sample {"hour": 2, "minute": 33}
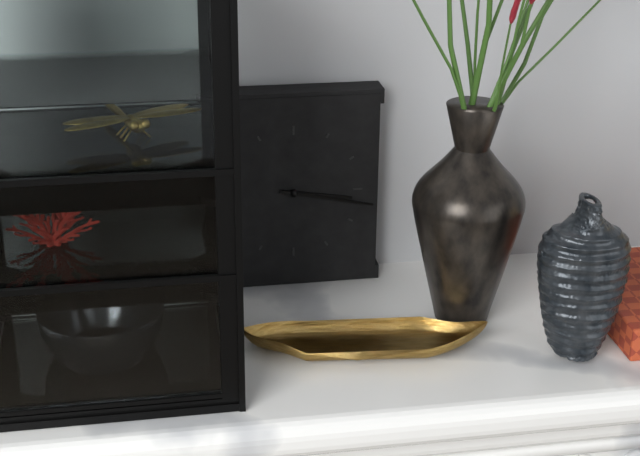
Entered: {"hour": 3, "minute": 17}
